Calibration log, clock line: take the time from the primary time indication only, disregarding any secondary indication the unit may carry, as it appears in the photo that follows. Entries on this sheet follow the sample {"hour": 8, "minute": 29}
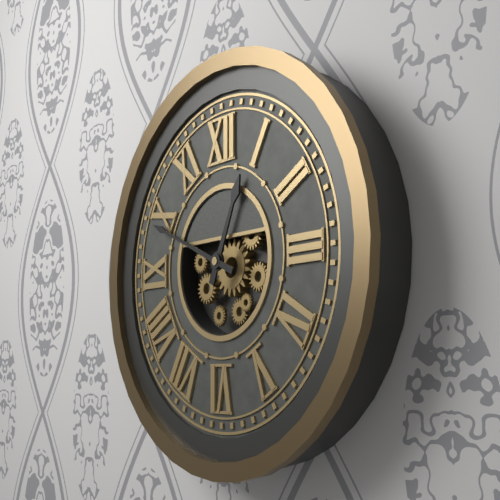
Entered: {"hour": 12, "minute": 49}
